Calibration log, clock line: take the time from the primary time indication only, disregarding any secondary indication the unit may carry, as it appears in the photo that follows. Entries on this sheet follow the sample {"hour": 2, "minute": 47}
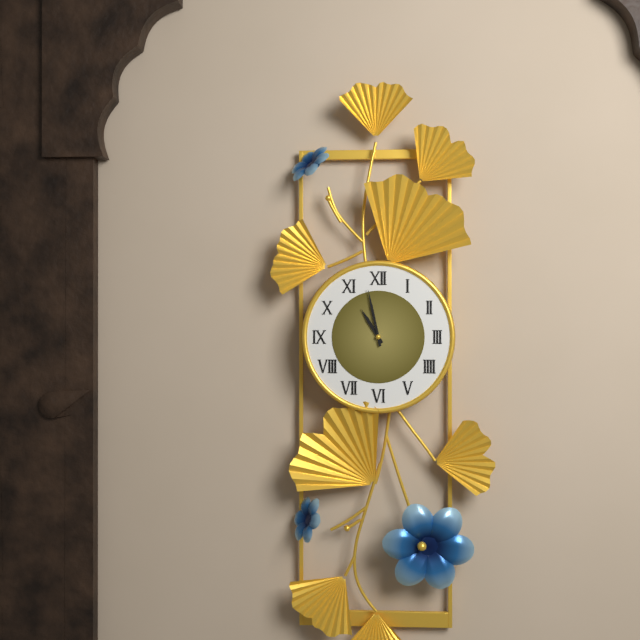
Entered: {"hour": 10, "minute": 58}
